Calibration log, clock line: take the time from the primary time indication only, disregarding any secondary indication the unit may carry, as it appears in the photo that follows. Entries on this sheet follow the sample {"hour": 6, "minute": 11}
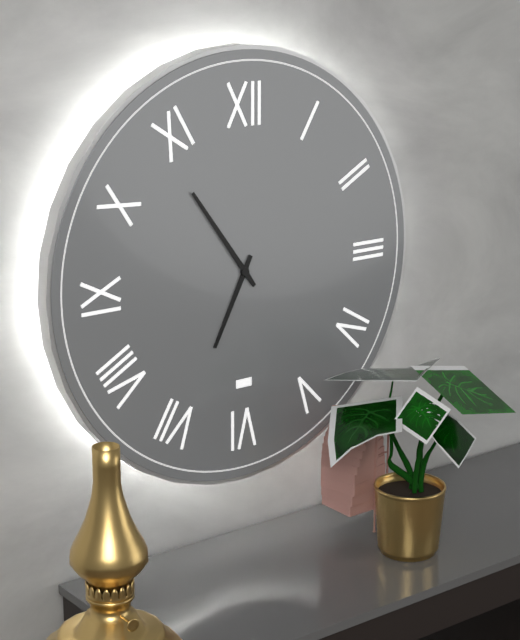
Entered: {"hour": 6, "minute": 54}
